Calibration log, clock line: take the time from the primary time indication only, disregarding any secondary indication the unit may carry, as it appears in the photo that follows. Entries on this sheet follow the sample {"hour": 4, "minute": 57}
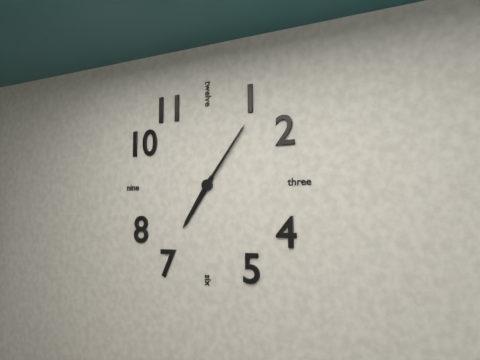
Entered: {"hour": 7, "minute": 6}
